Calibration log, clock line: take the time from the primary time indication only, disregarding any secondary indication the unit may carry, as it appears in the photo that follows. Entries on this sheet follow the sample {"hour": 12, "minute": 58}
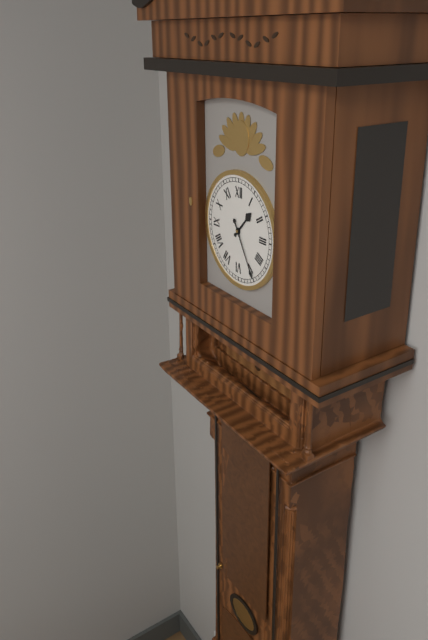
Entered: {"hour": 1, "minute": 25}
